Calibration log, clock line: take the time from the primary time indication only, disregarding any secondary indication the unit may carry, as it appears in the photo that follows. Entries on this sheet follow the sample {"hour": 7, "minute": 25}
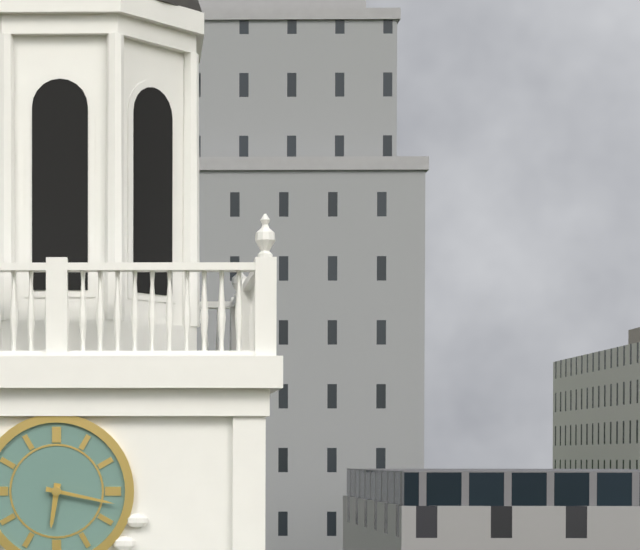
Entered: {"hour": 6, "minute": 17}
